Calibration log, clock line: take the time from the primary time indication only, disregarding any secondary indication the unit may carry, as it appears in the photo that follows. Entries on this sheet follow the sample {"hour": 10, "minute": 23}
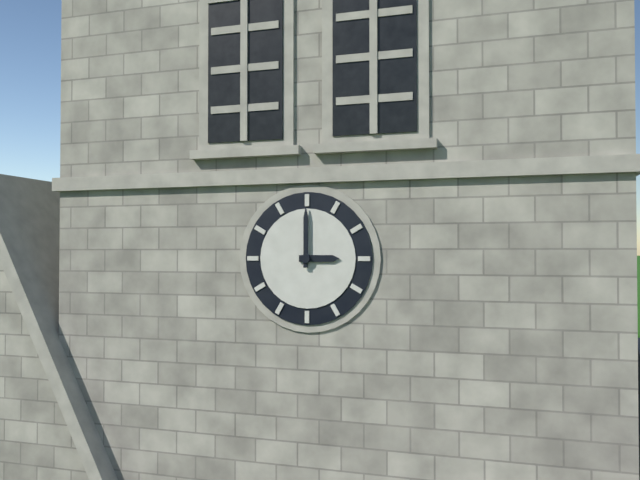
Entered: {"hour": 3, "minute": 0}
